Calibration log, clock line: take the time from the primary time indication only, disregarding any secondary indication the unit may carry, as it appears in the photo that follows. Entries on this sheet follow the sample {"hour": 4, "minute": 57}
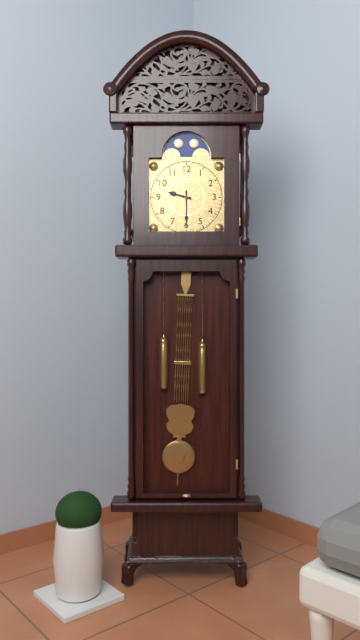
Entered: {"hour": 9, "minute": 30}
